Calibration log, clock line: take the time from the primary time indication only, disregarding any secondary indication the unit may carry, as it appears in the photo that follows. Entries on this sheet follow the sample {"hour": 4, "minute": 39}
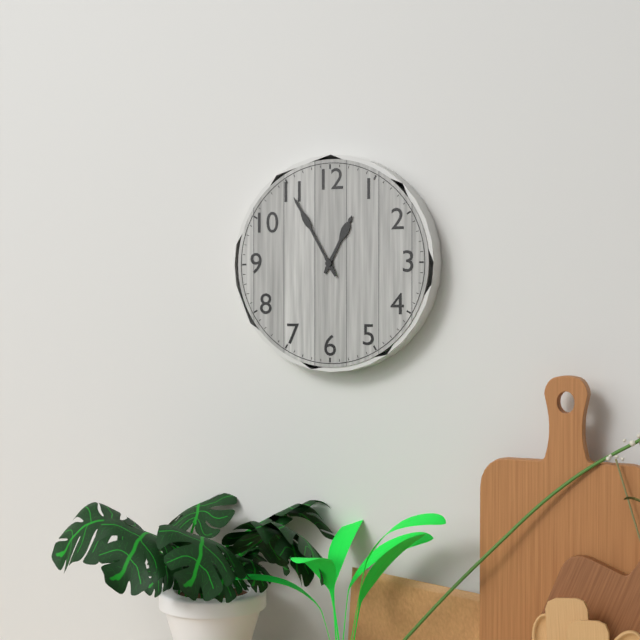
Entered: {"hour": 12, "minute": 55}
